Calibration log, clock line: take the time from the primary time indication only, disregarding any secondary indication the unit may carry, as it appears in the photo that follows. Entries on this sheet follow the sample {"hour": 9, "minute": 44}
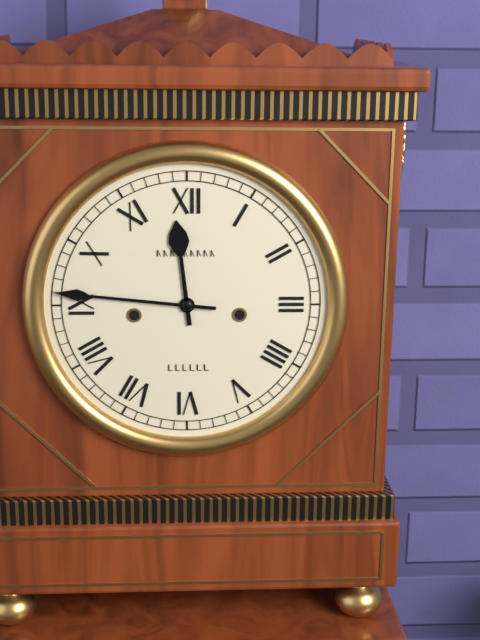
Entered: {"hour": 11, "minute": 46}
